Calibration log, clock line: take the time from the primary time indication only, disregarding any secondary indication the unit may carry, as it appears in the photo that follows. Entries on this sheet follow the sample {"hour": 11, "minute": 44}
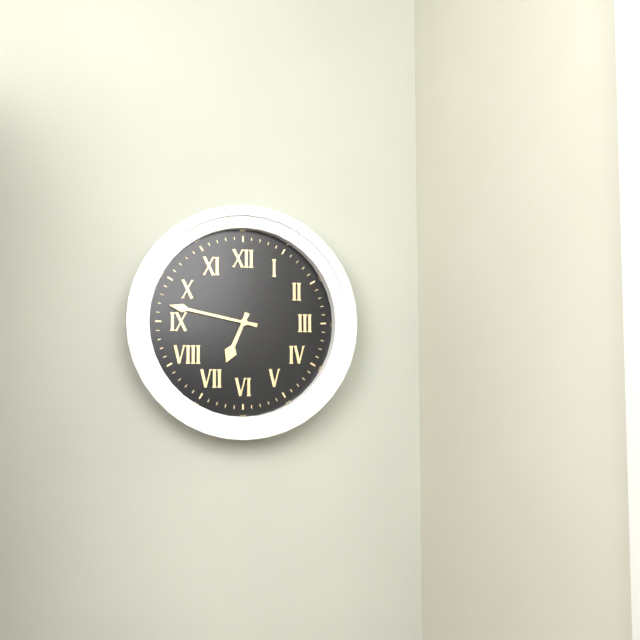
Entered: {"hour": 6, "minute": 47}
